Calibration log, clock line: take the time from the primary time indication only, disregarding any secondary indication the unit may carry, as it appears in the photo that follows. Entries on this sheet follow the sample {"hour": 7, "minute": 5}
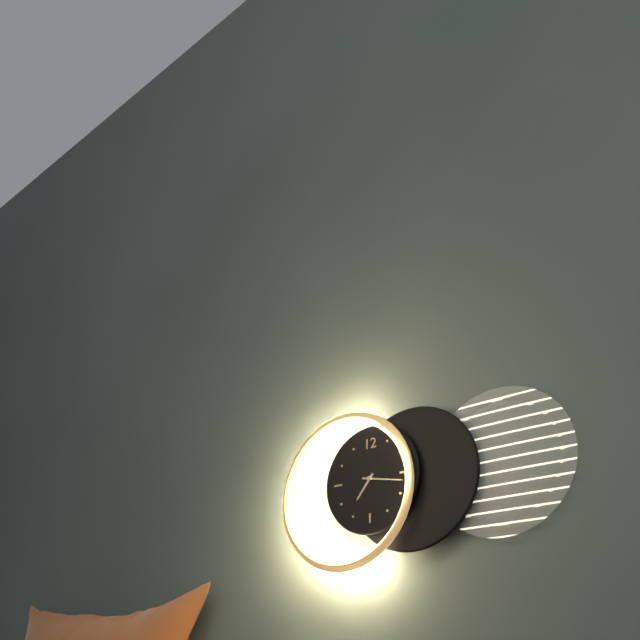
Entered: {"hour": 7, "minute": 17}
